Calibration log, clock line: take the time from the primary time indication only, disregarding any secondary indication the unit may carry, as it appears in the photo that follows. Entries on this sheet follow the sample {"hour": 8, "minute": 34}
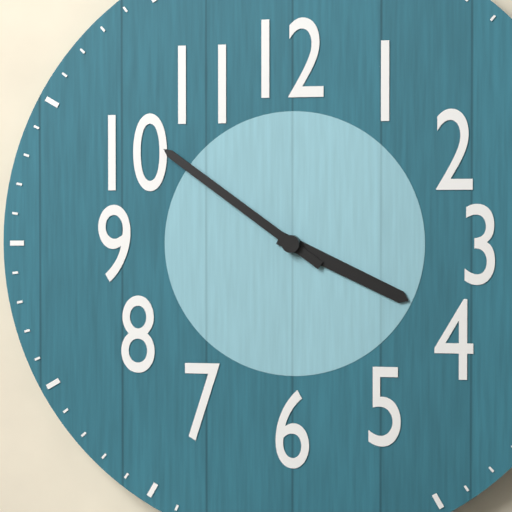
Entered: {"hour": 3, "minute": 51}
